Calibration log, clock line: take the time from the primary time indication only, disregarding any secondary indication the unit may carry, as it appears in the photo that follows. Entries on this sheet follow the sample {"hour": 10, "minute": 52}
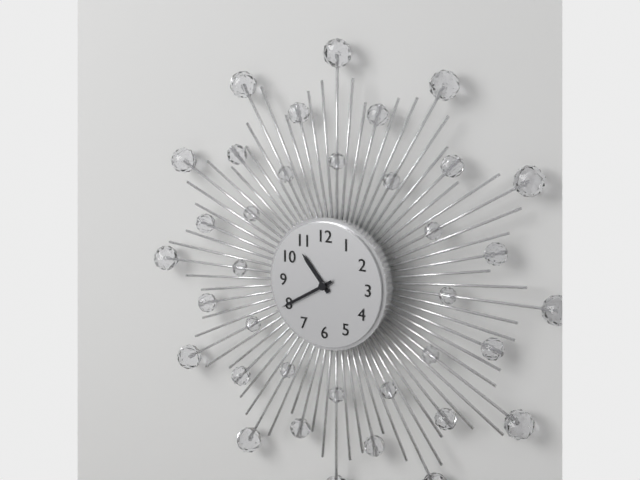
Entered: {"hour": 10, "minute": 40}
